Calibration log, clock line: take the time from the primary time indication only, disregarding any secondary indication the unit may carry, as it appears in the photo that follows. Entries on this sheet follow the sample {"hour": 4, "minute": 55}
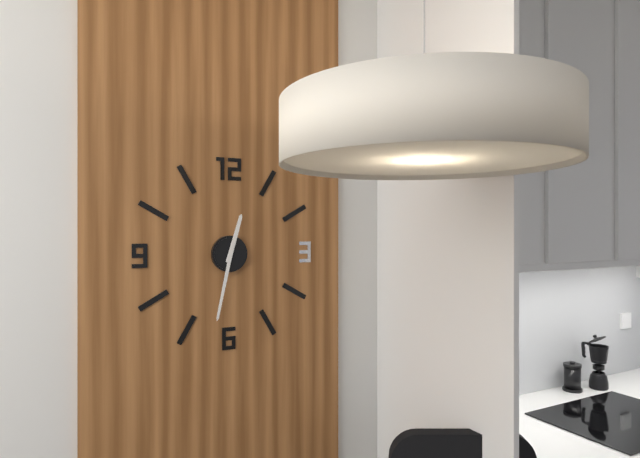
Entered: {"hour": 12, "minute": 32}
